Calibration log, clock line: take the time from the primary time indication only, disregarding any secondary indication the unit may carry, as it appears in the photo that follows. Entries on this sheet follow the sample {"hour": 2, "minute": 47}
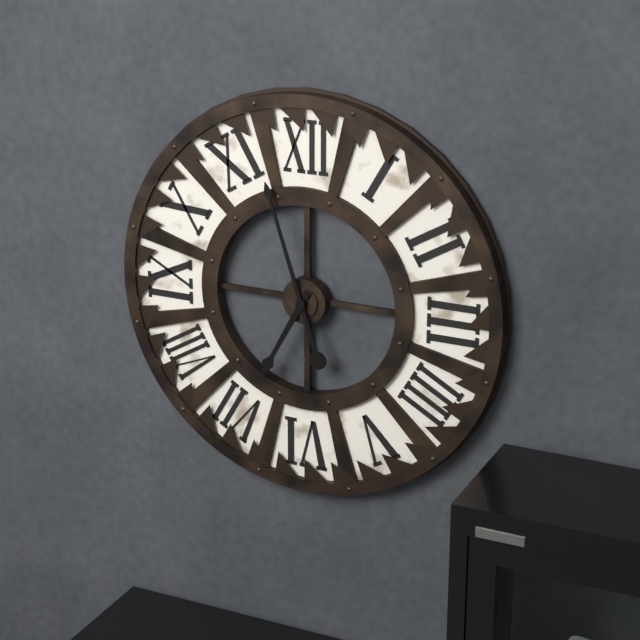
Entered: {"hour": 6, "minute": 57}
